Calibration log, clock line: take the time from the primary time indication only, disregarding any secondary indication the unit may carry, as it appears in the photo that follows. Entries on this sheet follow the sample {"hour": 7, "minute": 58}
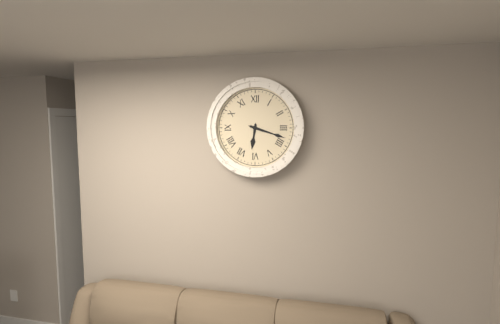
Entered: {"hour": 6, "minute": 18}
